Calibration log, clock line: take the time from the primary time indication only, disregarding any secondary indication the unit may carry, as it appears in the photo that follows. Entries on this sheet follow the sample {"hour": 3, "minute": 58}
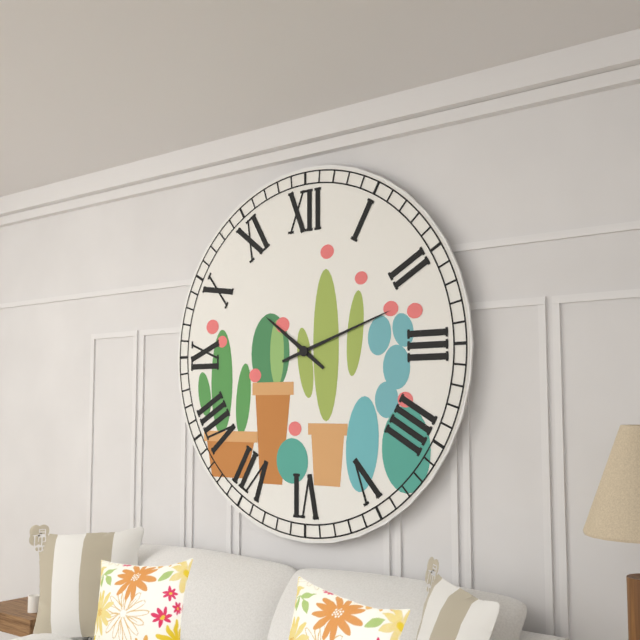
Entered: {"hour": 10, "minute": 12}
